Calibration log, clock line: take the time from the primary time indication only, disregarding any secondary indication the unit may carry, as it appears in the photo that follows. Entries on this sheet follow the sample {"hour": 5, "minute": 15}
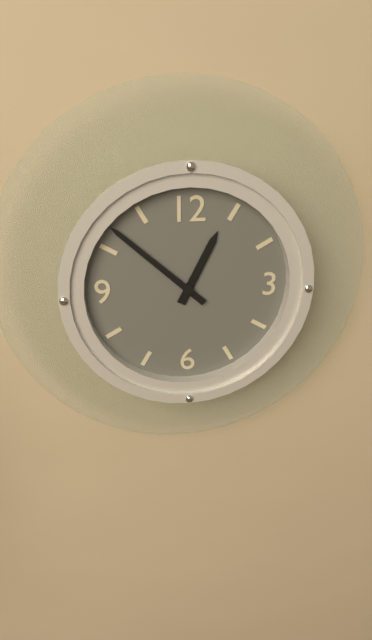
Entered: {"hour": 12, "minute": 52}
